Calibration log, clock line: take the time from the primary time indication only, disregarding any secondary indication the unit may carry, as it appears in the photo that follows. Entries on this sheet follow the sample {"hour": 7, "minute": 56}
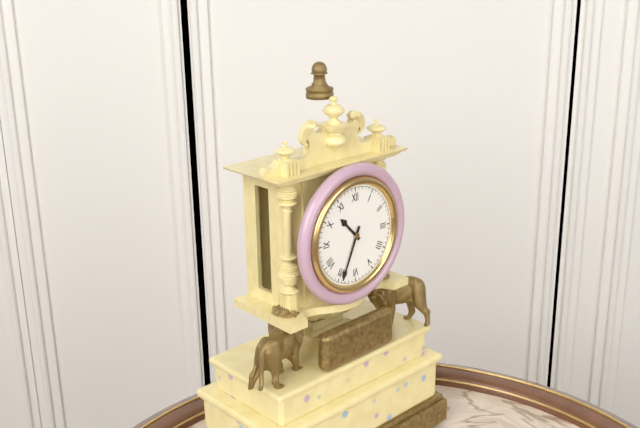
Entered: {"hour": 10, "minute": 34}
